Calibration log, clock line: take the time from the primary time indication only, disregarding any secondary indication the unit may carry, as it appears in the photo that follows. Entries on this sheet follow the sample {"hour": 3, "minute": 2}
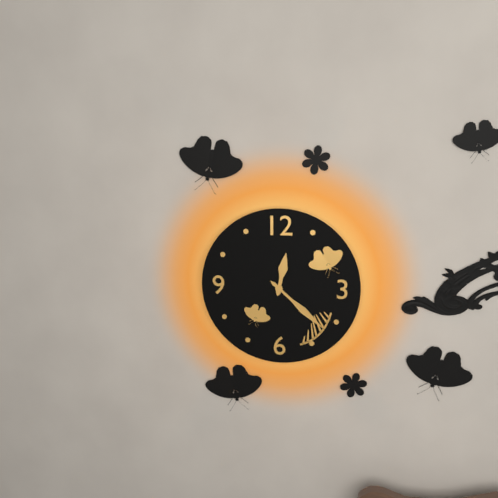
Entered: {"hour": 12, "minute": 22}
